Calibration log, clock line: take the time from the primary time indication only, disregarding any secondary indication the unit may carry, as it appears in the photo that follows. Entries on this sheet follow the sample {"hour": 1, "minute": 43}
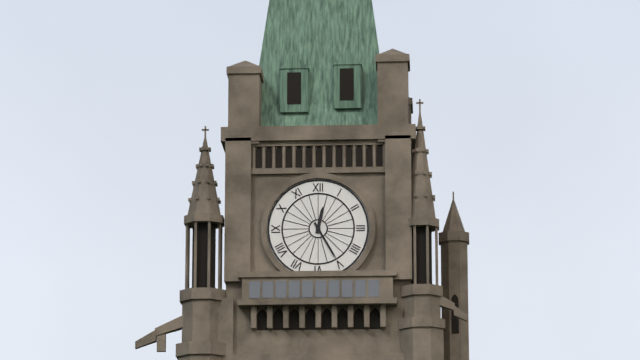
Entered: {"hour": 12, "minute": 25}
